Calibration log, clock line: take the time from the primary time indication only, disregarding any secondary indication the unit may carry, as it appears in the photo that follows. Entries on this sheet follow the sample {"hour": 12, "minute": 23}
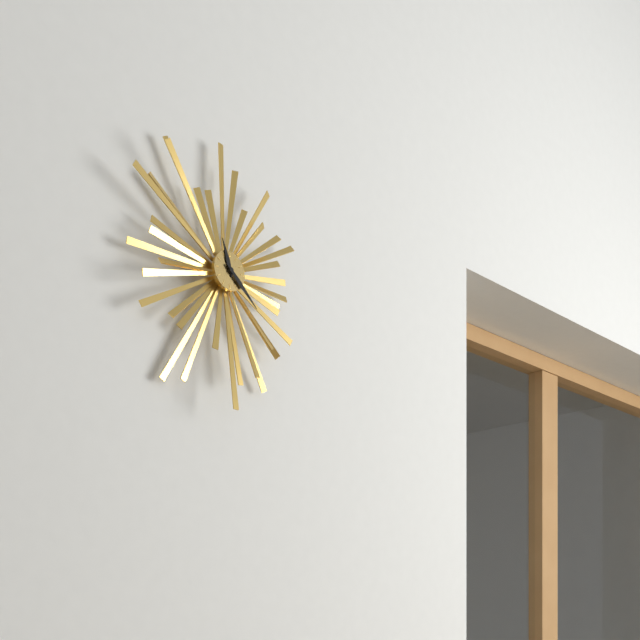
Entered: {"hour": 11, "minute": 22}
